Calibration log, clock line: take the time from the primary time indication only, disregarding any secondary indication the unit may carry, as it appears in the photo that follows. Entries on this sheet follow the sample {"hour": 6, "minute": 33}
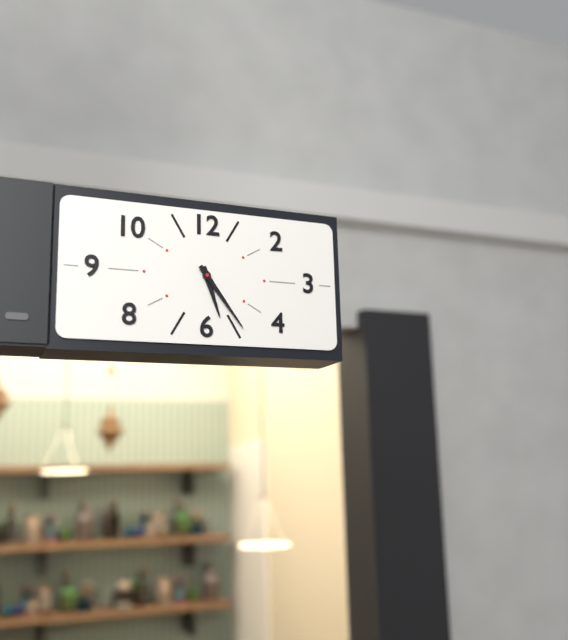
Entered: {"hour": 5, "minute": 24}
